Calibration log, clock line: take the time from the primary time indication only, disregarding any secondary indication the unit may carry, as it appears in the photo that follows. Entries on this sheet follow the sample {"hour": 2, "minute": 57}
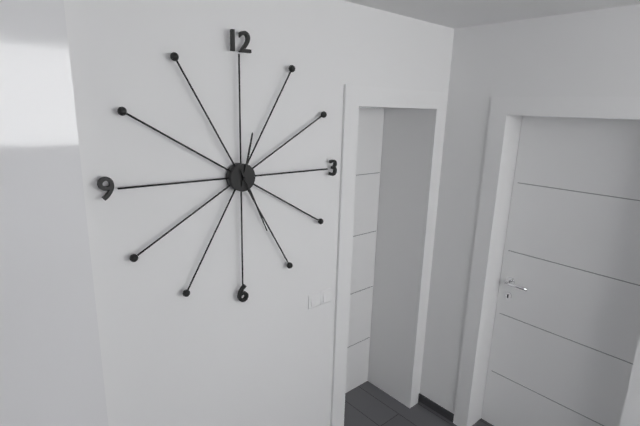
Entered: {"hour": 12, "minute": 26}
